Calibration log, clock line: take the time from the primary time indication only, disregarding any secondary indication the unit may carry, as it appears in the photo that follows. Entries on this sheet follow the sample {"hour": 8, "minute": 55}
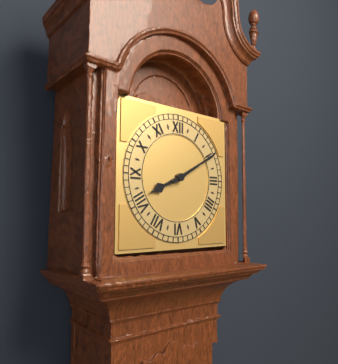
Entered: {"hour": 8, "minute": 10}
